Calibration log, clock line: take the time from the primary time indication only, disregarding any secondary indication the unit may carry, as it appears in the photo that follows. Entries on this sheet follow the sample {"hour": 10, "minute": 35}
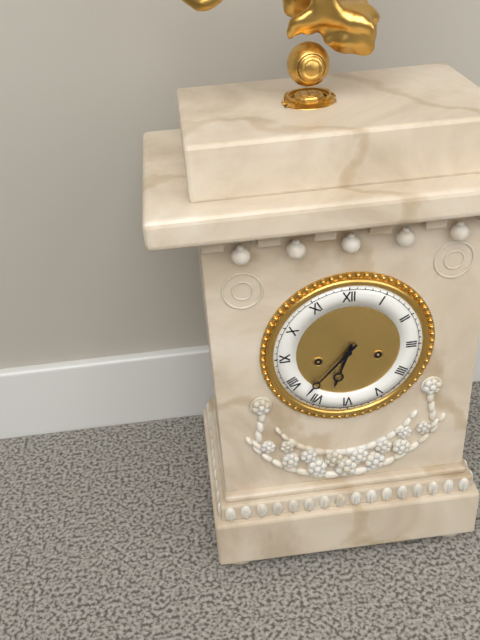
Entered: {"hour": 6, "minute": 37}
